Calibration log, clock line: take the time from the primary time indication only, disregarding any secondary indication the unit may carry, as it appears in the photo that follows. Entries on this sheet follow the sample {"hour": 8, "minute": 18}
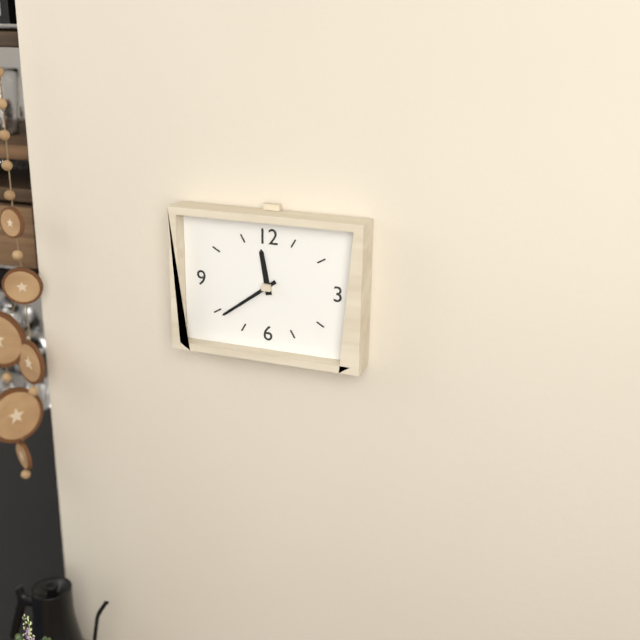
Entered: {"hour": 11, "minute": 39}
